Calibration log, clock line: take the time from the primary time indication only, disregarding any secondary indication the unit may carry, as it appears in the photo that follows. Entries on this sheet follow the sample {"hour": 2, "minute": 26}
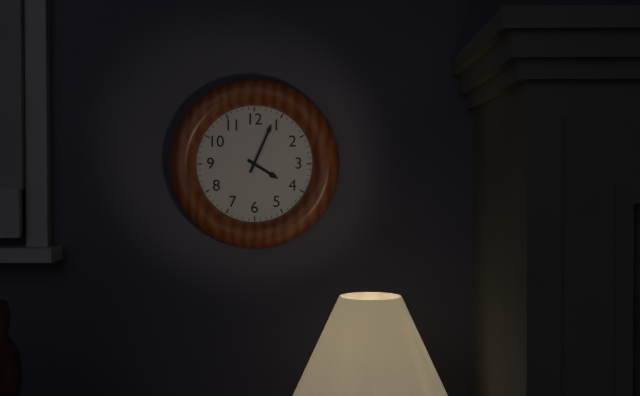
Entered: {"hour": 4, "minute": 4}
